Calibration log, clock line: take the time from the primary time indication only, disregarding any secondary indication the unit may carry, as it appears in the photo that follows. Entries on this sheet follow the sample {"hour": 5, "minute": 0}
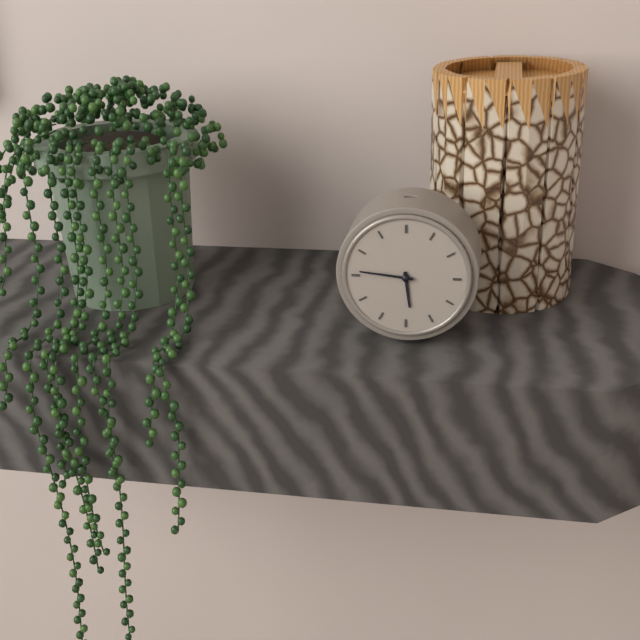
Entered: {"hour": 5, "minute": 46}
